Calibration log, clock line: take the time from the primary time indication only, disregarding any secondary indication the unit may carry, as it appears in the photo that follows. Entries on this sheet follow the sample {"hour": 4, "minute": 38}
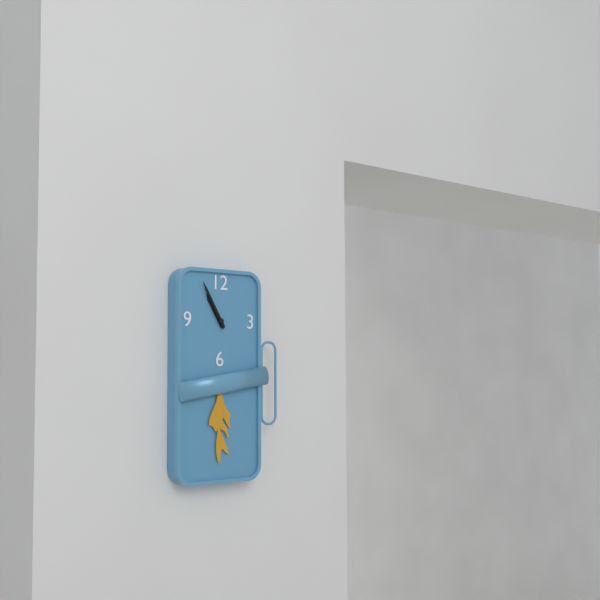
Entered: {"hour": 10, "minute": 55}
